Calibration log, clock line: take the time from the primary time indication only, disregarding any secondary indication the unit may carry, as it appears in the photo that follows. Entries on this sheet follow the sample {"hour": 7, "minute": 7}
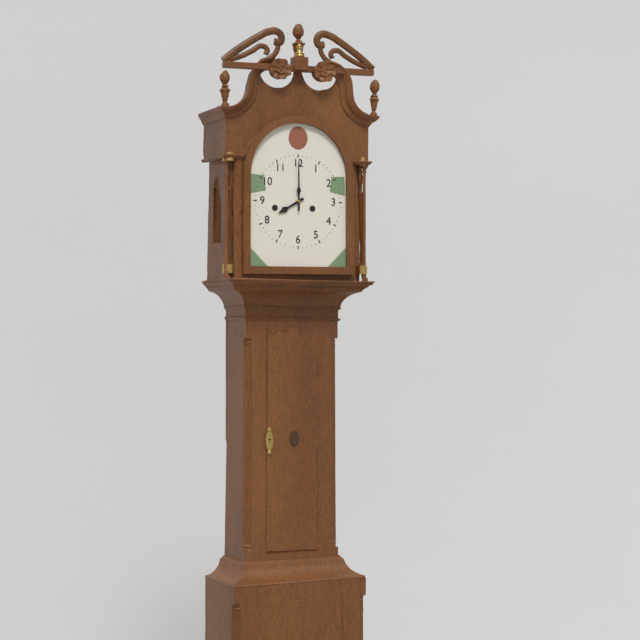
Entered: {"hour": 8, "minute": 0}
